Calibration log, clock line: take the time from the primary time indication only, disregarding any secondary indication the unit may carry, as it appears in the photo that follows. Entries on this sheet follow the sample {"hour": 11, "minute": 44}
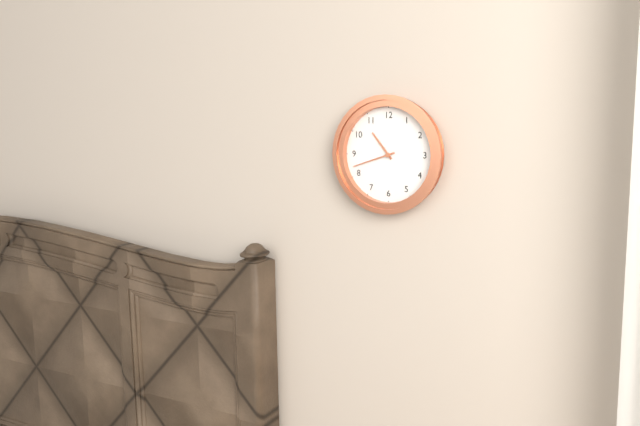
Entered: {"hour": 10, "minute": 42}
